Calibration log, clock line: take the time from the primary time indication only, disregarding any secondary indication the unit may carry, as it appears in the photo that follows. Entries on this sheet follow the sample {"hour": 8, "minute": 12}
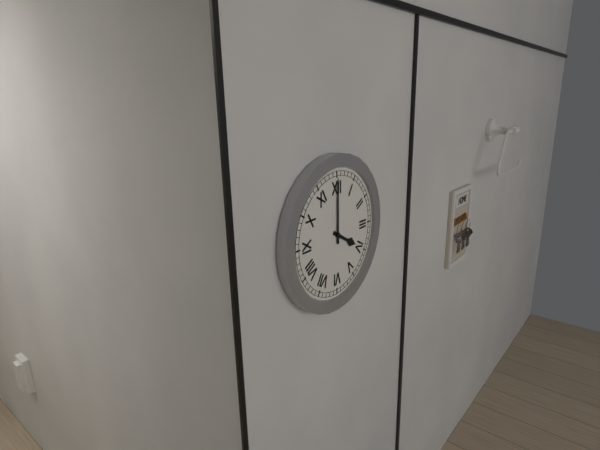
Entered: {"hour": 4, "minute": 0}
